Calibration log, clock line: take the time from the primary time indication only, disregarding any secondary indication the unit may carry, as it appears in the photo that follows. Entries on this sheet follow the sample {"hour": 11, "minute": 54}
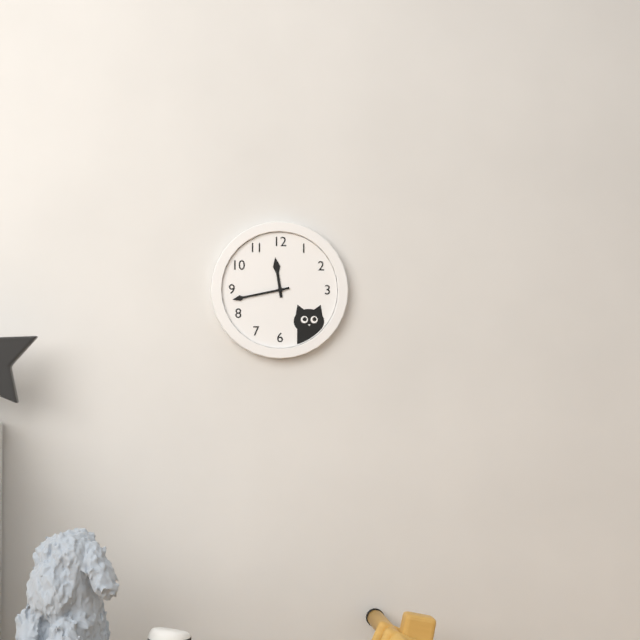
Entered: {"hour": 11, "minute": 43}
